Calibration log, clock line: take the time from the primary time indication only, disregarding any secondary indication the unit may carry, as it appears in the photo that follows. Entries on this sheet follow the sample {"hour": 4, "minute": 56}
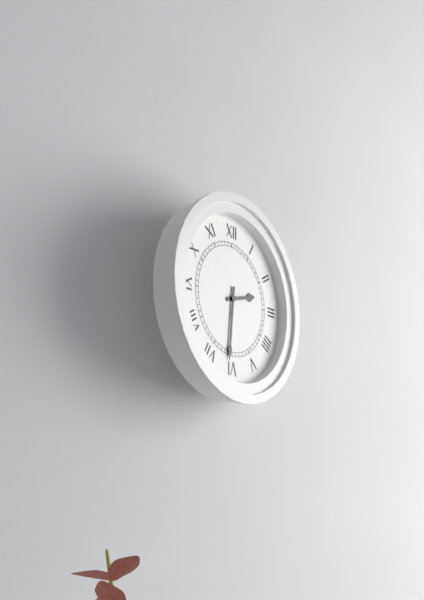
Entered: {"hour": 2, "minute": 31}
